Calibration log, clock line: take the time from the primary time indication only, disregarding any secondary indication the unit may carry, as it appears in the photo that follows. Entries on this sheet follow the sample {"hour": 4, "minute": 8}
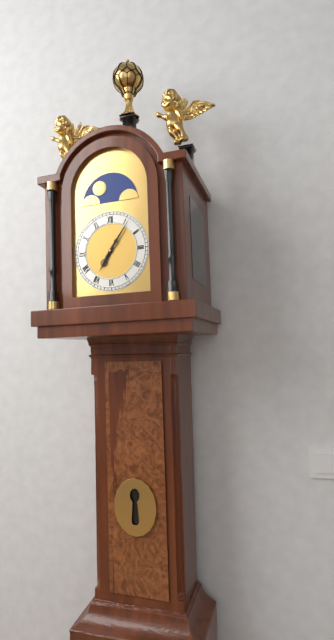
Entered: {"hour": 7, "minute": 6}
